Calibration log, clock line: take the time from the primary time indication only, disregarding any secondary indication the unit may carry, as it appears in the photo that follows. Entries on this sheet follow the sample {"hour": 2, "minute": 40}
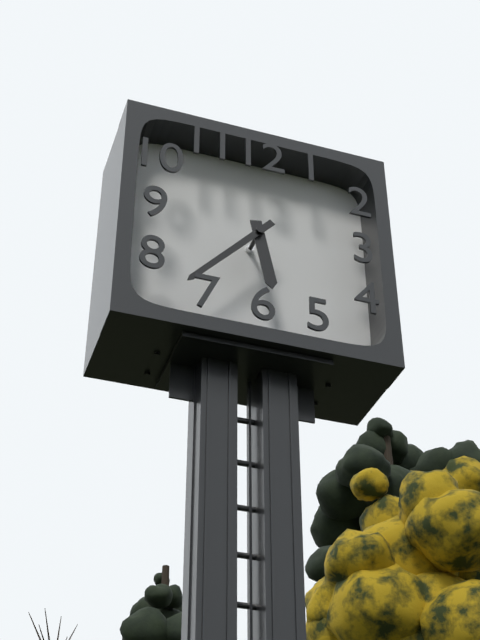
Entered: {"hour": 5, "minute": 37}
